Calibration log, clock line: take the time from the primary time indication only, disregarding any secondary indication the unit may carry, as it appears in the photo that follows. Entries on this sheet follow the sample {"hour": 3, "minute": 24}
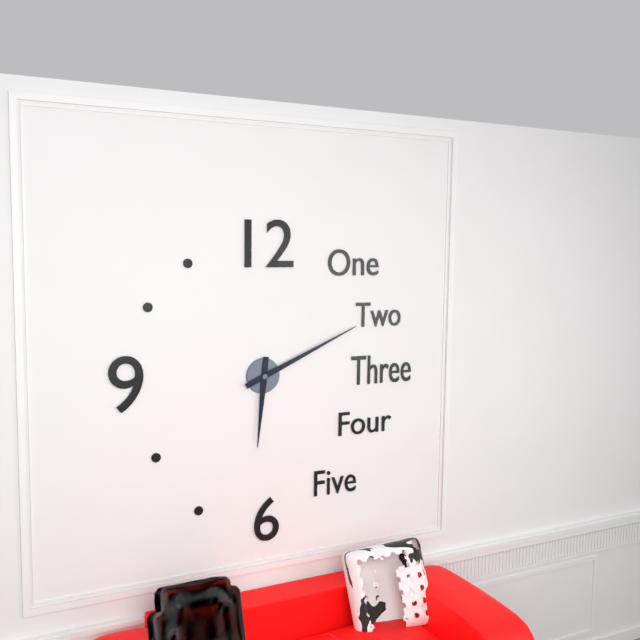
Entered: {"hour": 6, "minute": 11}
